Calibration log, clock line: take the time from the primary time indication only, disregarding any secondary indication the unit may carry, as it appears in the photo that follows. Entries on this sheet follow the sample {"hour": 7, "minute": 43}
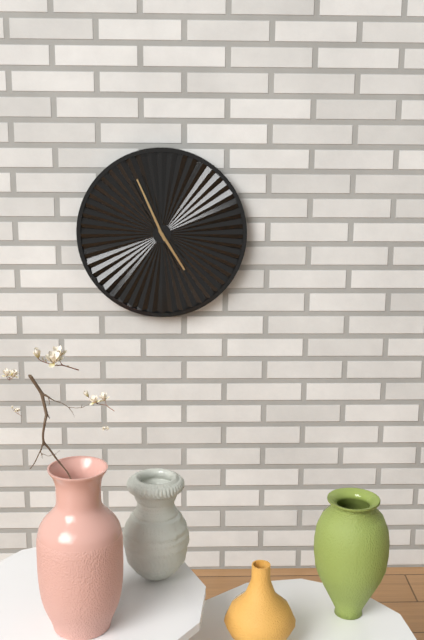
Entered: {"hour": 4, "minute": 56}
